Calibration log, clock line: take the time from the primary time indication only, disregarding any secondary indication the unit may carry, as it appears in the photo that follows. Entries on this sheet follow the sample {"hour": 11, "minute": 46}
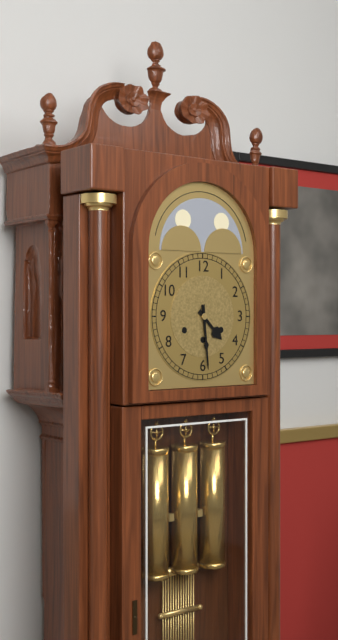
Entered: {"hour": 4, "minute": 29}
